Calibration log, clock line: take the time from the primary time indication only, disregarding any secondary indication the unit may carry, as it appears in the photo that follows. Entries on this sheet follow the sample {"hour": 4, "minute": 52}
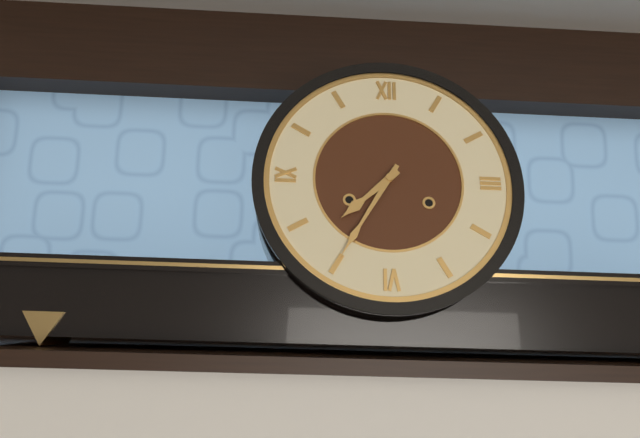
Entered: {"hour": 7, "minute": 35}
